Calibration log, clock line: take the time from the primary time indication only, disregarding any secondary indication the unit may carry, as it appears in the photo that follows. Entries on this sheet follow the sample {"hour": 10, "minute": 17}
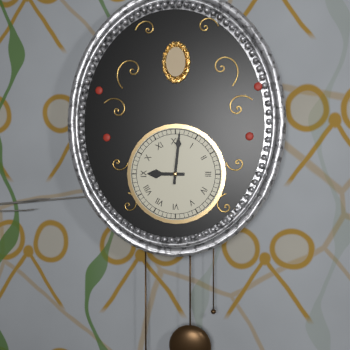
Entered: {"hour": 9, "minute": 1}
